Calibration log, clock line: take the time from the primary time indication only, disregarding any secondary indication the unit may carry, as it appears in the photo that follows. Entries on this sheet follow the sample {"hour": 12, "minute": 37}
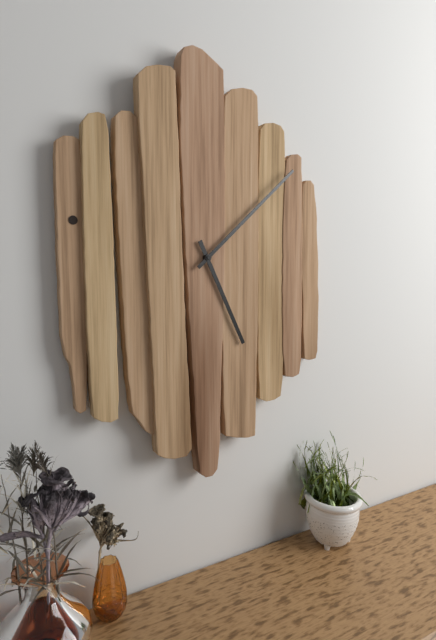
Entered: {"hour": 5, "minute": 8}
